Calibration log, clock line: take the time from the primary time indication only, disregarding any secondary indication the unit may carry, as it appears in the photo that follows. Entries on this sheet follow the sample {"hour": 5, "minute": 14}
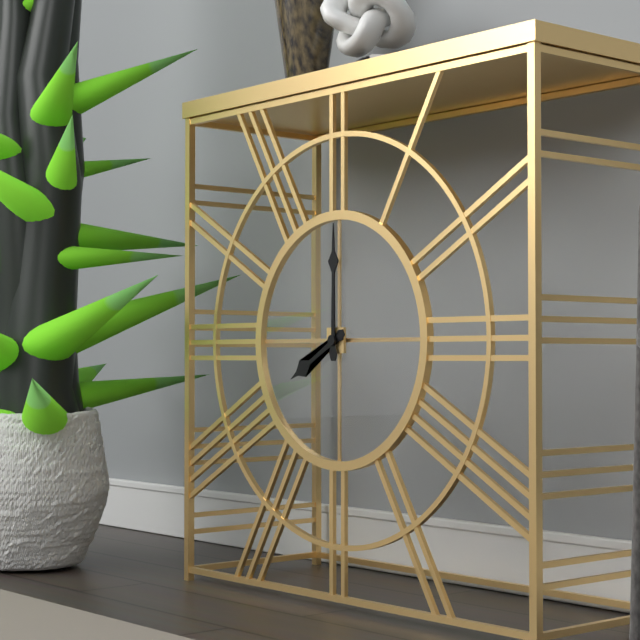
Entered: {"hour": 8, "minute": 0}
